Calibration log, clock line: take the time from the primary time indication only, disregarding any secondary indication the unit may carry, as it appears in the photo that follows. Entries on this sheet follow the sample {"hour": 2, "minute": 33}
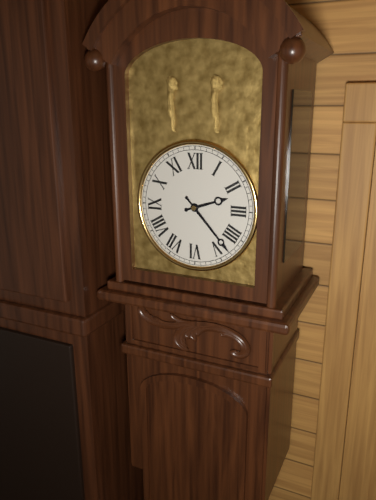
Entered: {"hour": 2, "minute": 23}
